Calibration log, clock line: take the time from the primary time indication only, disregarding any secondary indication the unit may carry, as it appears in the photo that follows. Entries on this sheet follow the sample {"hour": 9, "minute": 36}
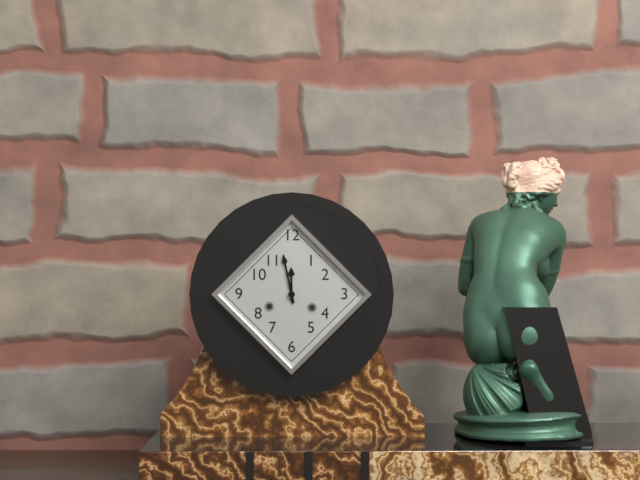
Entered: {"hour": 11, "minute": 58}
